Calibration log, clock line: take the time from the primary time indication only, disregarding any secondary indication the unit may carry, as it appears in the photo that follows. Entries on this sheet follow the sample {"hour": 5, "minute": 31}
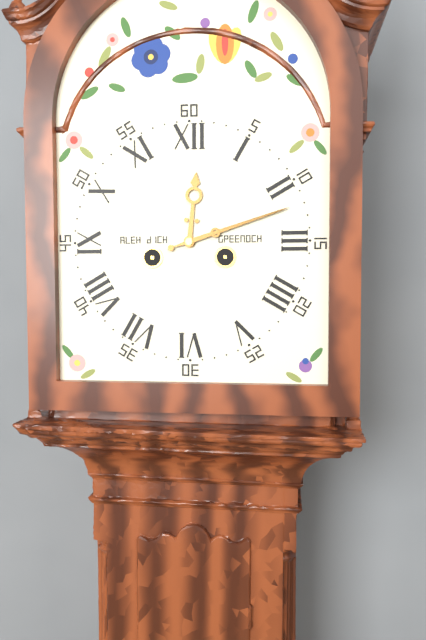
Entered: {"hour": 12, "minute": 12}
